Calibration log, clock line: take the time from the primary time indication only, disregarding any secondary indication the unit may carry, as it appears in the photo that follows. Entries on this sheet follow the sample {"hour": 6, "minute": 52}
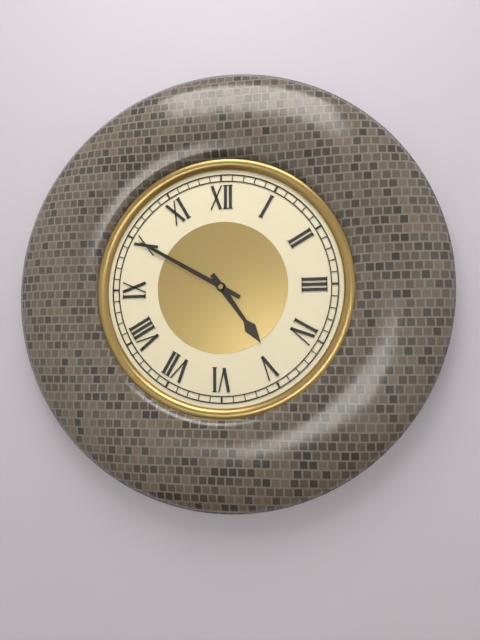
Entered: {"hour": 4, "minute": 50}
